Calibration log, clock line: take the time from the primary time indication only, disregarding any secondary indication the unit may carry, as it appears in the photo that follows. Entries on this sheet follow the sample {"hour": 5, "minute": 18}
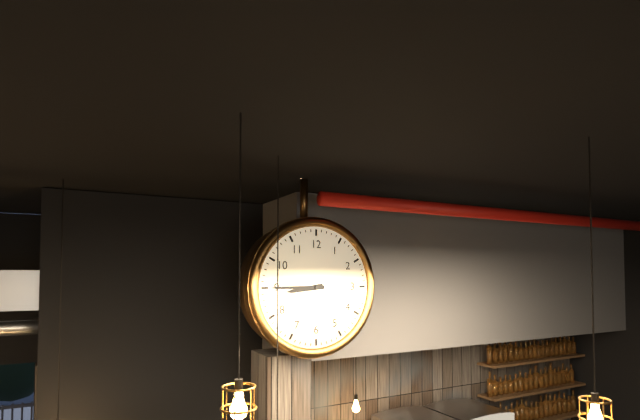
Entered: {"hour": 8, "minute": 45}
